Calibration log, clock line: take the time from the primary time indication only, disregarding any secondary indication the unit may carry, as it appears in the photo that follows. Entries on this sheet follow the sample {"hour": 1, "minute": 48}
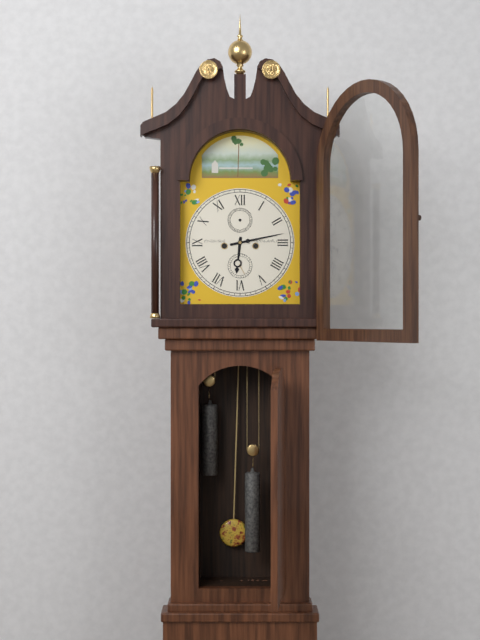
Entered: {"hour": 6, "minute": 13}
